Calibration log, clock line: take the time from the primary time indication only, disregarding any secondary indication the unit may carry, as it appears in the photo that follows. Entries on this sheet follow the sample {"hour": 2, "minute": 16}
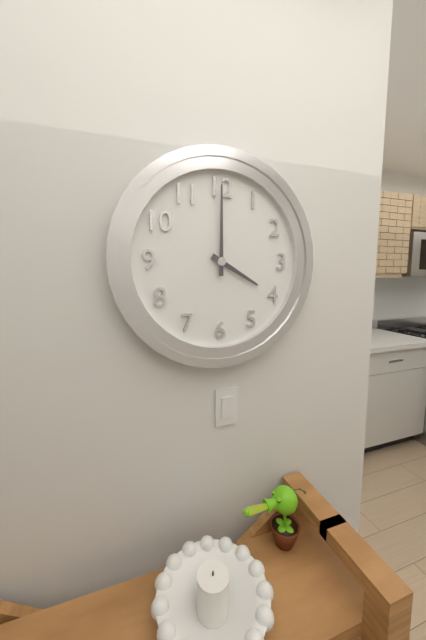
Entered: {"hour": 4, "minute": 0}
